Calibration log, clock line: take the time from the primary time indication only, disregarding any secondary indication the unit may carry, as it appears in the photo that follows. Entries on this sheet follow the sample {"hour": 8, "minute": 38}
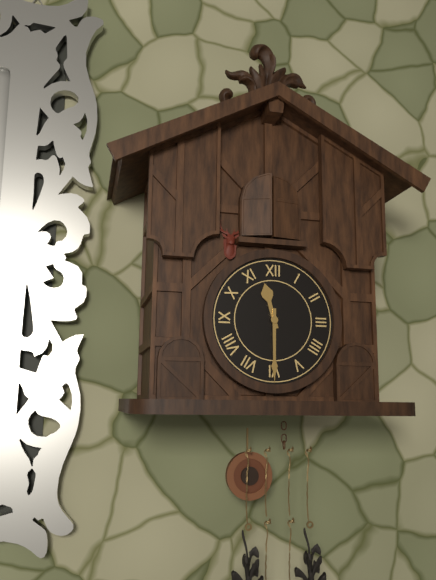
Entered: {"hour": 11, "minute": 30}
